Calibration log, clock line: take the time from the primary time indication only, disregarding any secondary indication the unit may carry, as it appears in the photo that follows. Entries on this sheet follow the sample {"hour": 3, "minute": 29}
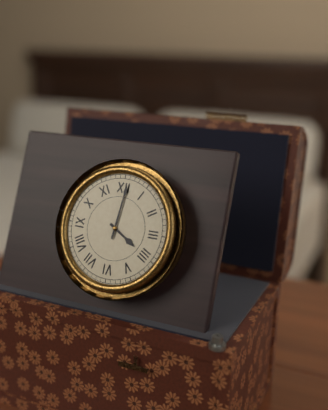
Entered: {"hour": 4, "minute": 1}
